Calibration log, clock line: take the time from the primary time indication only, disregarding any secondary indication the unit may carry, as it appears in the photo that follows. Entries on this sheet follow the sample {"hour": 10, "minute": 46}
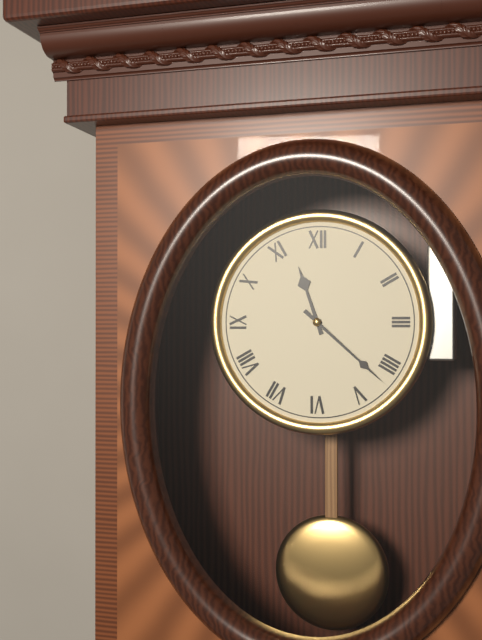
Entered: {"hour": 11, "minute": 22}
